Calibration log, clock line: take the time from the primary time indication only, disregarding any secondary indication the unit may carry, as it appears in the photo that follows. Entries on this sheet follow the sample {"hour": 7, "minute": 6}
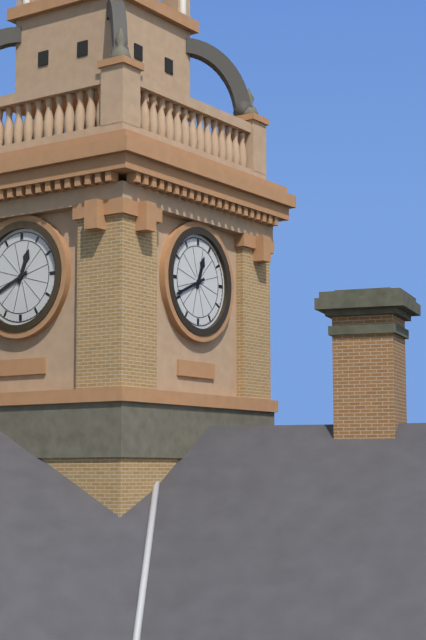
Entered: {"hour": 12, "minute": 41}
